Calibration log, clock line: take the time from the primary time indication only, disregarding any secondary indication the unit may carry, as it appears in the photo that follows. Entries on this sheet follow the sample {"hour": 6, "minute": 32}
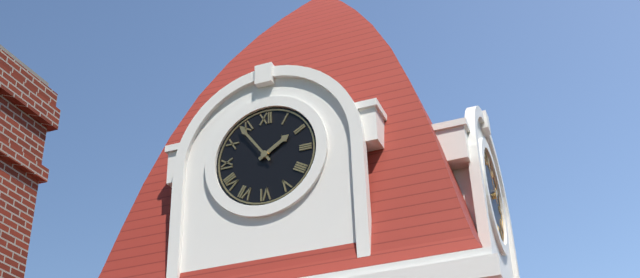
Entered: {"hour": 1, "minute": 54}
